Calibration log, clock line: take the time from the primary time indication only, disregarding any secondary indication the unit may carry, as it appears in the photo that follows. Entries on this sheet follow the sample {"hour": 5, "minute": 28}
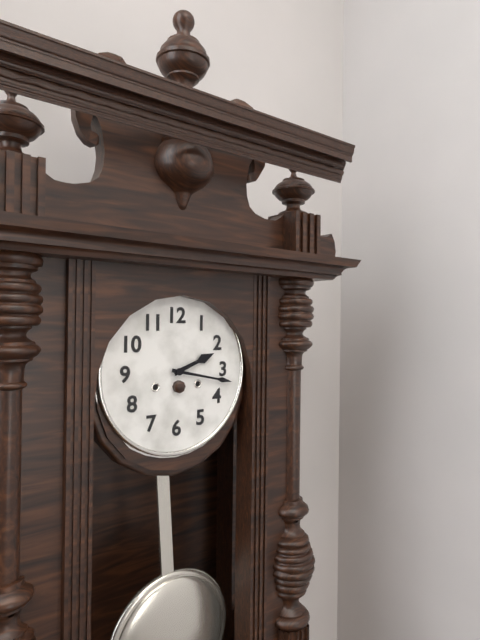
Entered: {"hour": 2, "minute": 17}
